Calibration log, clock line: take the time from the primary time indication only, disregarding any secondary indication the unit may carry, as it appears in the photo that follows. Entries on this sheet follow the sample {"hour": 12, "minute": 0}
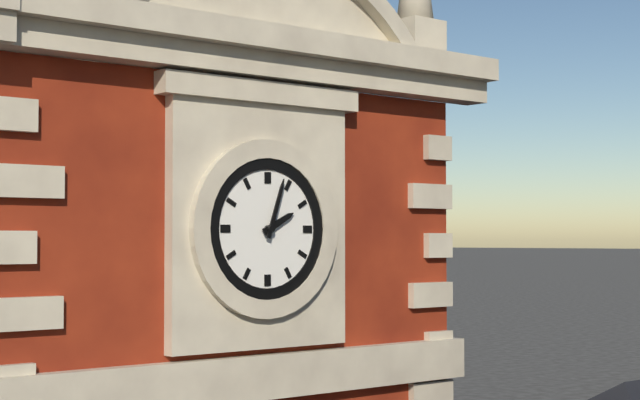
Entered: {"hour": 2, "minute": 3}
